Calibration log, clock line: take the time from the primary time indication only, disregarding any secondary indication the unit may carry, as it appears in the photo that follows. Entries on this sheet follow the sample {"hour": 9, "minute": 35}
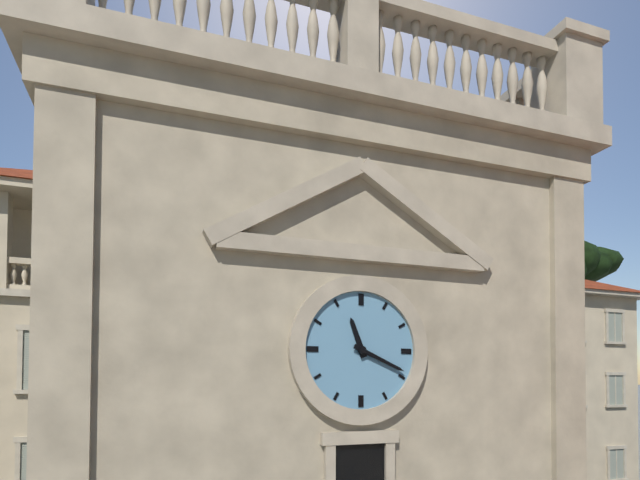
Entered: {"hour": 11, "minute": 19}
